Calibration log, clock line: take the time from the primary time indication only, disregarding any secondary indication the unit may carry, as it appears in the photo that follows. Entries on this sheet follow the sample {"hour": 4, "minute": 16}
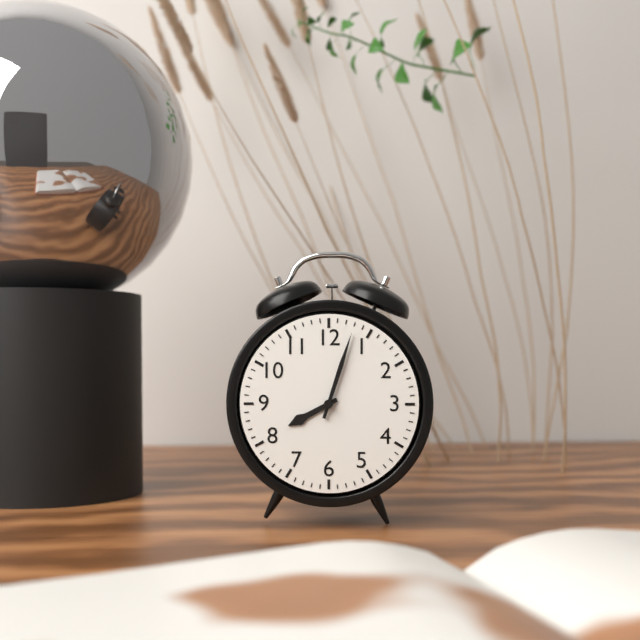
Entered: {"hour": 8, "minute": 3}
